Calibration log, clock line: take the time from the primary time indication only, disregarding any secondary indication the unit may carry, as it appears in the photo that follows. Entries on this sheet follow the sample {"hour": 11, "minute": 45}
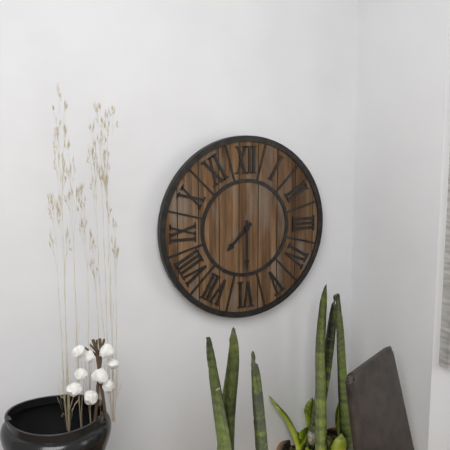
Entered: {"hour": 7, "minute": 30}
